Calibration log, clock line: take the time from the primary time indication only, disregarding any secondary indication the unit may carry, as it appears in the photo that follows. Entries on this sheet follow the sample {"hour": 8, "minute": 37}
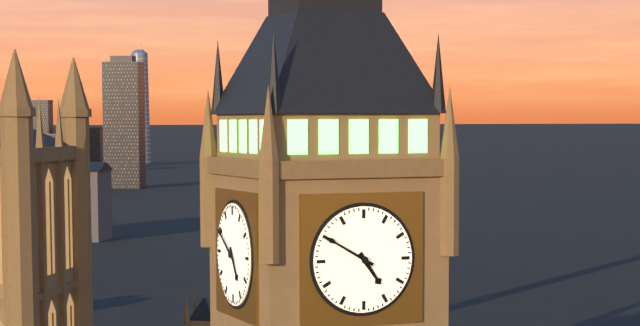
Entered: {"hour": 4, "minute": 50}
